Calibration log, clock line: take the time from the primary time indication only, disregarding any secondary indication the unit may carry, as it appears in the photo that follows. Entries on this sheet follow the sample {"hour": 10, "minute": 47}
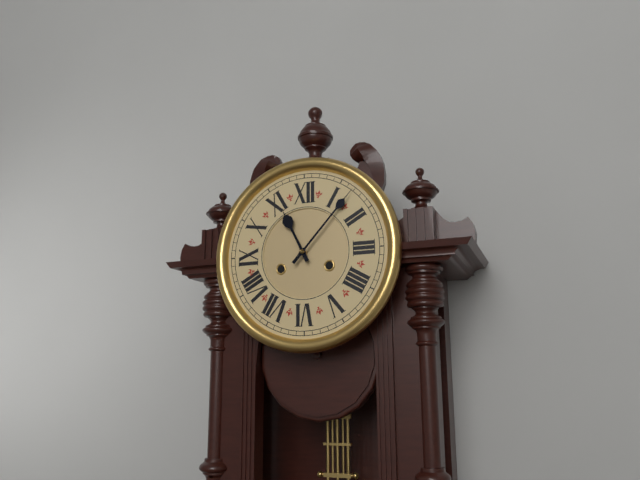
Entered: {"hour": 11, "minute": 7}
